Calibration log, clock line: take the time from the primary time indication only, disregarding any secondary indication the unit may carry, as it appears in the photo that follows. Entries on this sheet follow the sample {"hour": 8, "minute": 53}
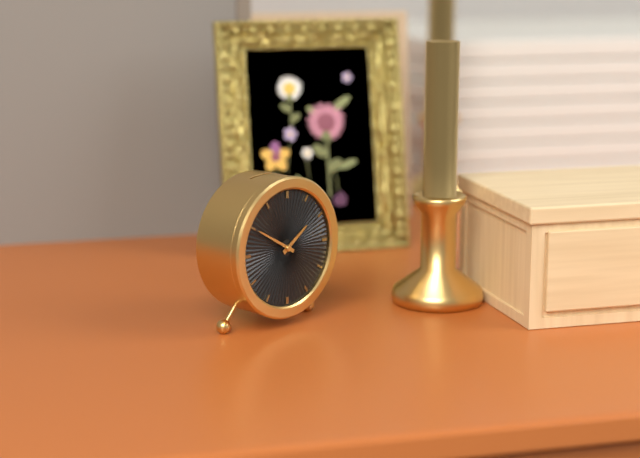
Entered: {"hour": 1, "minute": 50}
